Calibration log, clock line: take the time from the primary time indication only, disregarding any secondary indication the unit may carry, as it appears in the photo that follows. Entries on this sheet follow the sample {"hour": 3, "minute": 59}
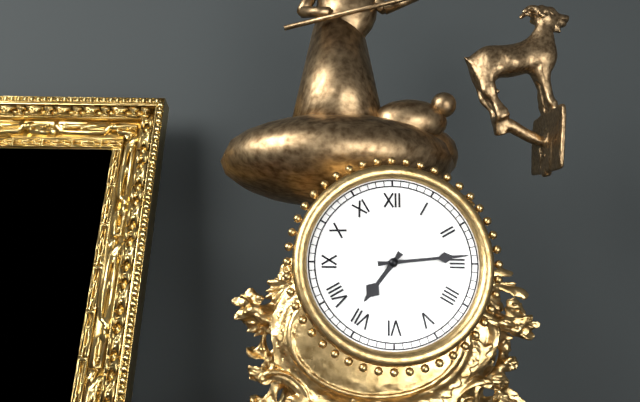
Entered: {"hour": 7, "minute": 14}
